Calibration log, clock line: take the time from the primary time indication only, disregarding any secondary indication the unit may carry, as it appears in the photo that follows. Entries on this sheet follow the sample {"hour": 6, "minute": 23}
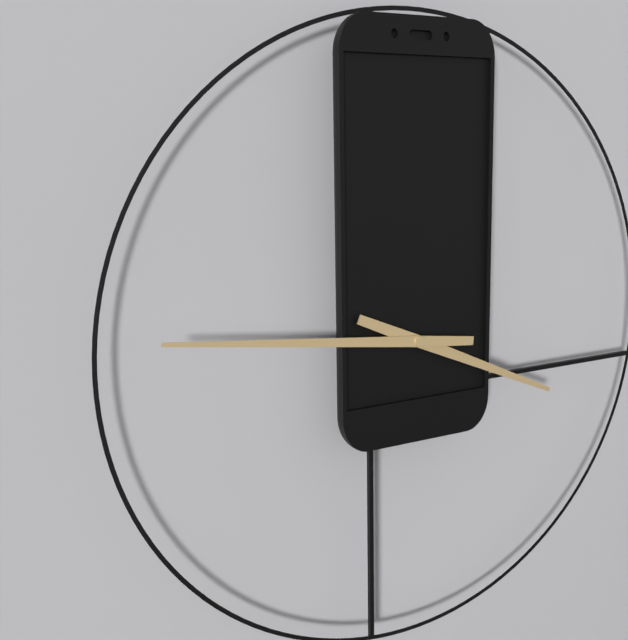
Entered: {"hour": 3, "minute": 46}
